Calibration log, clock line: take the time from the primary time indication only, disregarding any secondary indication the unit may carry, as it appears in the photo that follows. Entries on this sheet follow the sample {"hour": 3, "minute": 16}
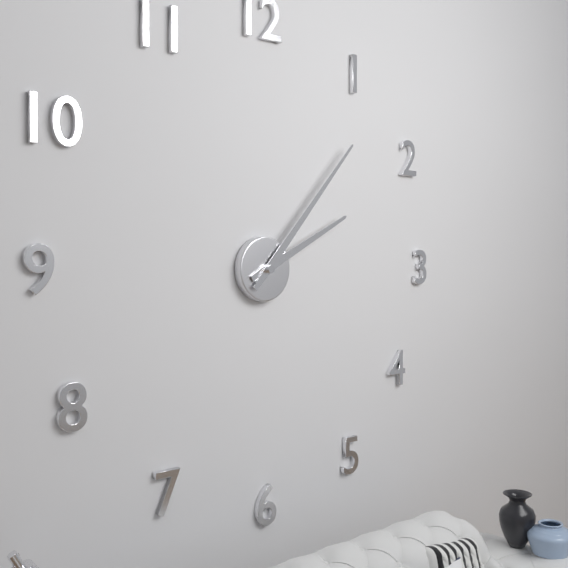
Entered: {"hour": 2, "minute": 7}
